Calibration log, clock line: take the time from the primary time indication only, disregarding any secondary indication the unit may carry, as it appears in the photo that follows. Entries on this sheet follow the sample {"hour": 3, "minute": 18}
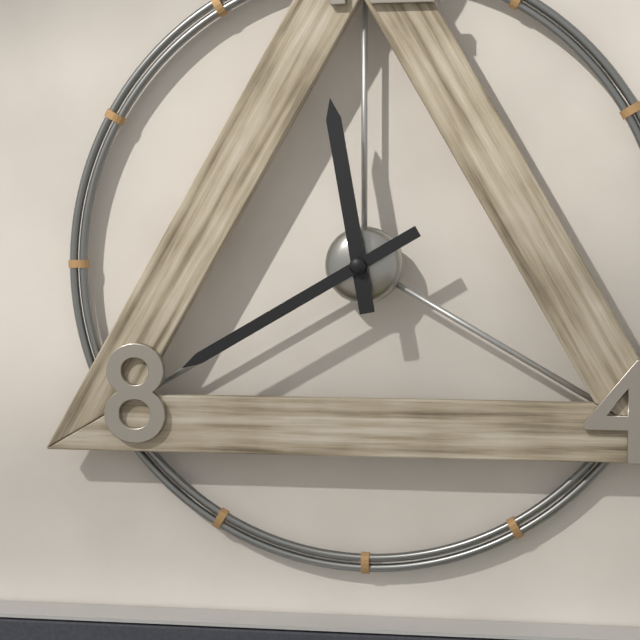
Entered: {"hour": 11, "minute": 40}
